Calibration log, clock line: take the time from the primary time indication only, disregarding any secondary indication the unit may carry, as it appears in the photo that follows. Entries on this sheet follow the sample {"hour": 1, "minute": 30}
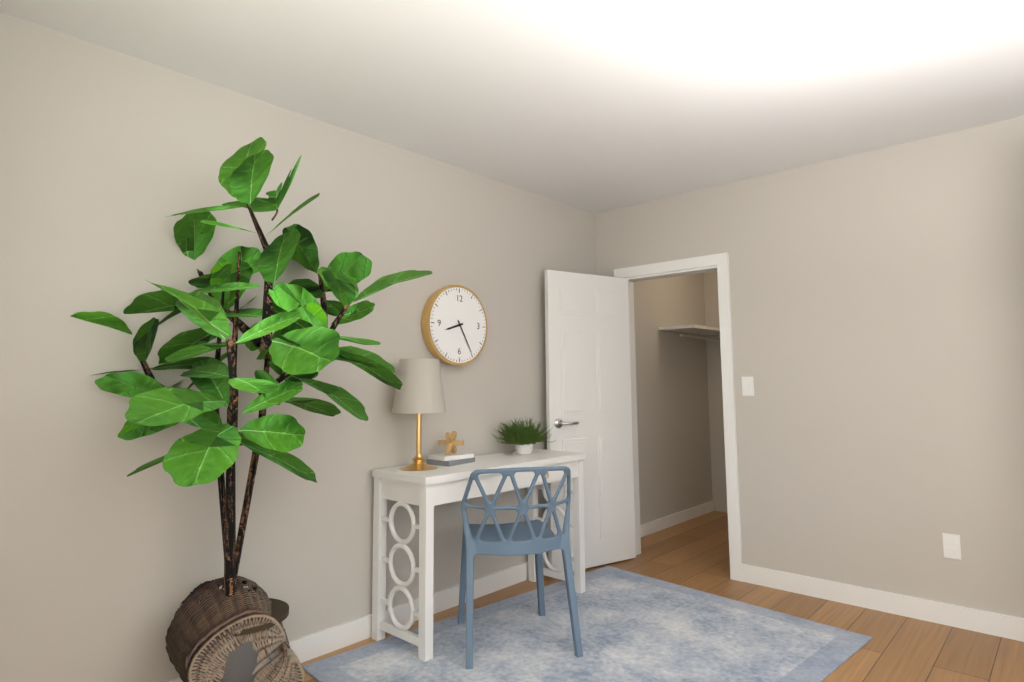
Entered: {"hour": 8, "minute": 25}
